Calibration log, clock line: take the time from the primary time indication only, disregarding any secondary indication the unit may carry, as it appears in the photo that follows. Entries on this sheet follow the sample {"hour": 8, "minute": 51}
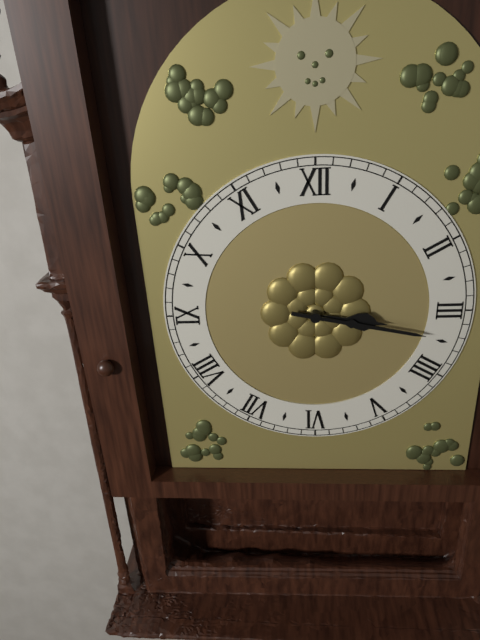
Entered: {"hour": 3, "minute": 17}
